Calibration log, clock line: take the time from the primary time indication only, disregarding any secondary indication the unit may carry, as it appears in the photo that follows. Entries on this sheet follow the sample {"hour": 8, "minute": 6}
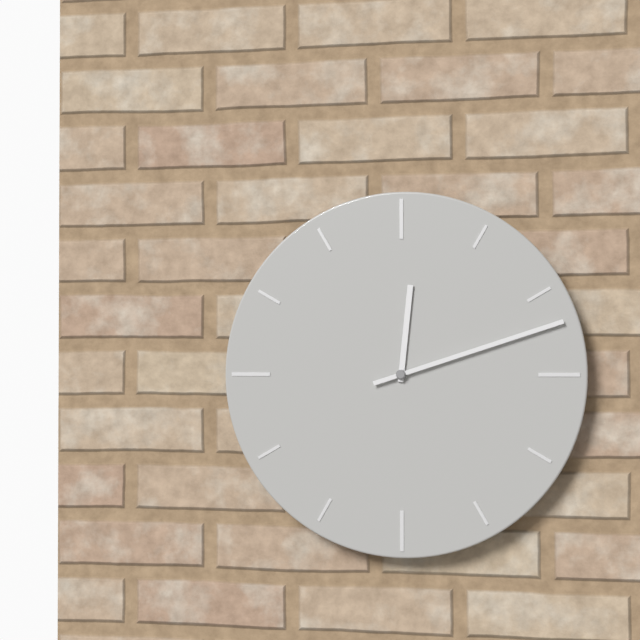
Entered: {"hour": 12, "minute": 12}
